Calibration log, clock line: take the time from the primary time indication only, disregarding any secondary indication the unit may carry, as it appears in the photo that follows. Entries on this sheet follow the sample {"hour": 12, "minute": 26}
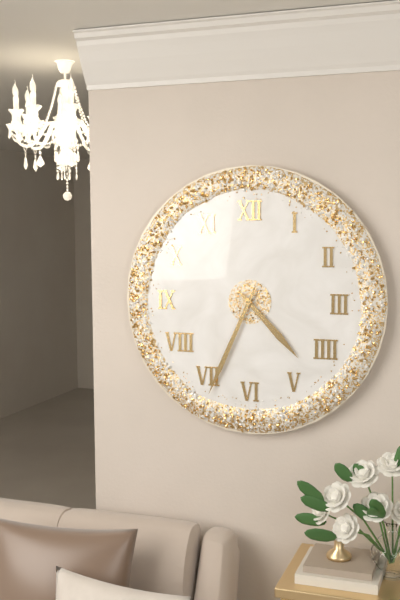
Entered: {"hour": 4, "minute": 34}
